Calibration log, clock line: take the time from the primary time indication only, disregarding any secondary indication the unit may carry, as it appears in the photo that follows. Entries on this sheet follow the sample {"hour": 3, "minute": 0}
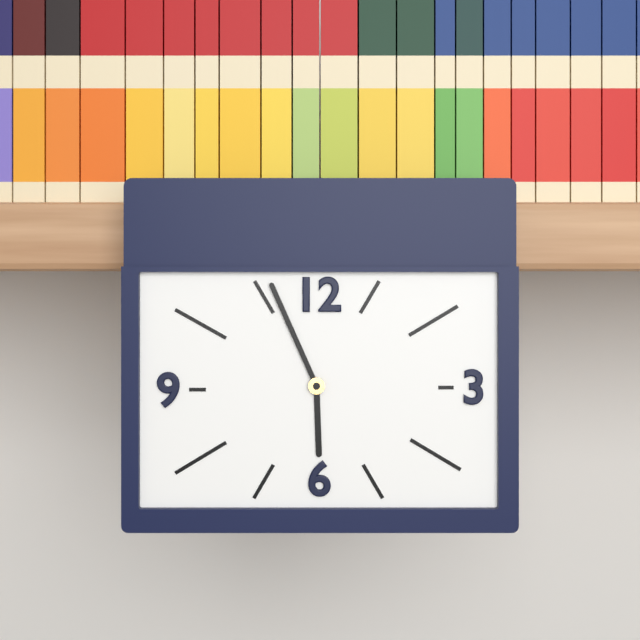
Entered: {"hour": 5, "minute": 56}
